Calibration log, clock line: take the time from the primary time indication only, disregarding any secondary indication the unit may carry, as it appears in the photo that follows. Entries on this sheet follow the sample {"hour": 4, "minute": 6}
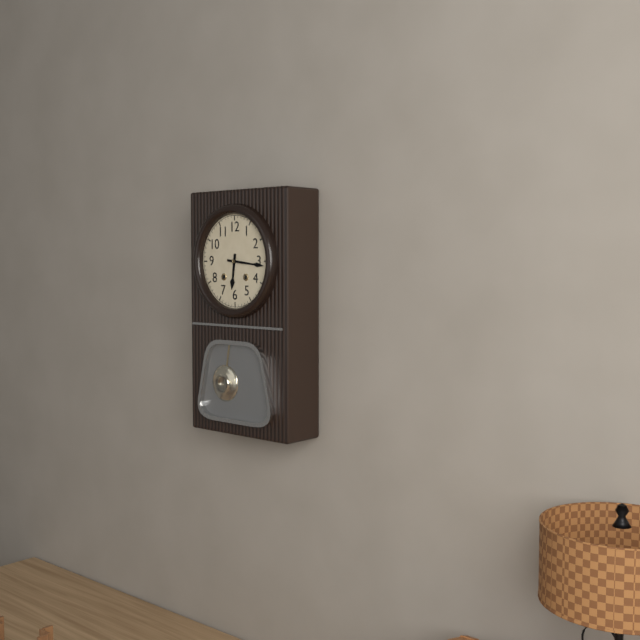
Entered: {"hour": 6, "minute": 16}
